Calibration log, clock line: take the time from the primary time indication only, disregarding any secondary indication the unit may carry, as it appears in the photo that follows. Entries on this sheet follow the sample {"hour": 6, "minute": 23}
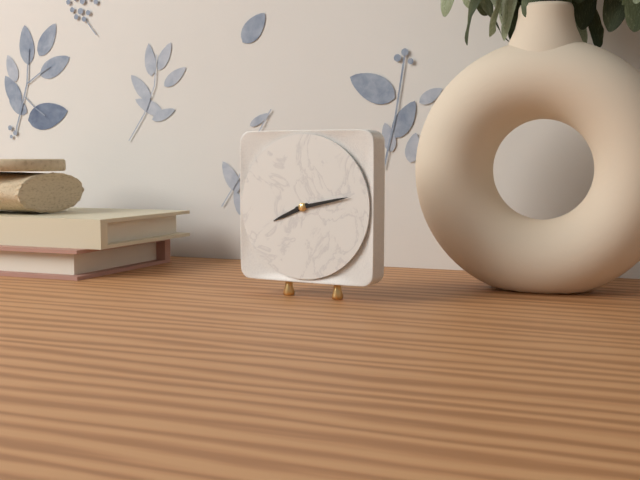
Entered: {"hour": 8, "minute": 13}
